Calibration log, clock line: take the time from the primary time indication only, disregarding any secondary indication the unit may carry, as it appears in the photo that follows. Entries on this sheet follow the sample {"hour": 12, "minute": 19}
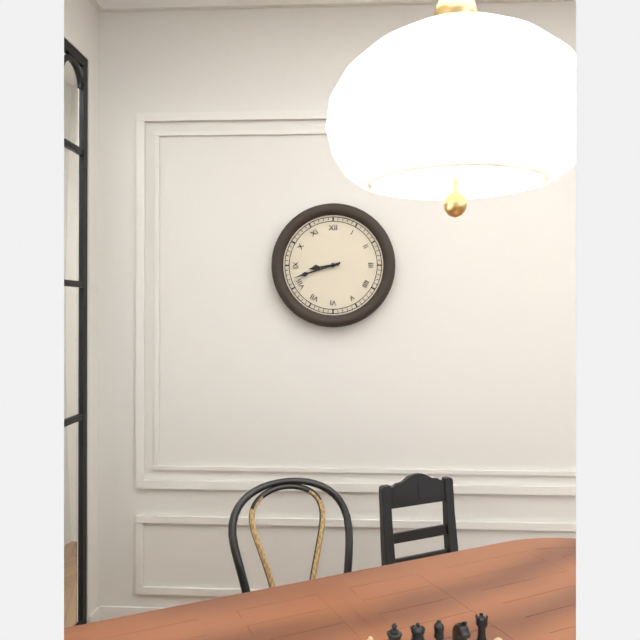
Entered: {"hour": 8, "minute": 42}
